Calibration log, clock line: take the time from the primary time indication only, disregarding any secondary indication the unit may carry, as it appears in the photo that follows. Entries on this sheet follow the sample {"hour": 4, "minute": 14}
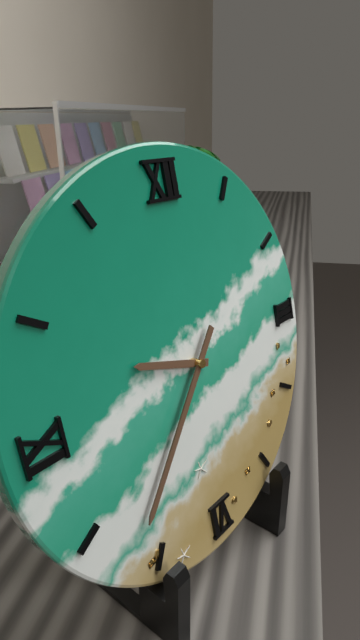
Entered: {"hour": 9, "minute": 37}
